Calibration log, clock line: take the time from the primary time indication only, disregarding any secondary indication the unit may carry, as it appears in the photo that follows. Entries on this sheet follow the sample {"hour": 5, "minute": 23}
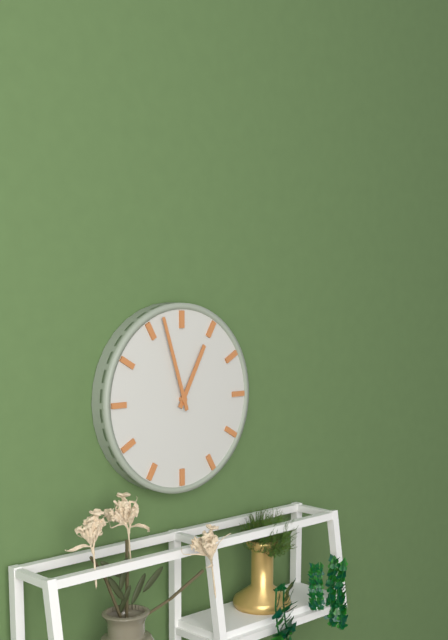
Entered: {"hour": 12, "minute": 57}
